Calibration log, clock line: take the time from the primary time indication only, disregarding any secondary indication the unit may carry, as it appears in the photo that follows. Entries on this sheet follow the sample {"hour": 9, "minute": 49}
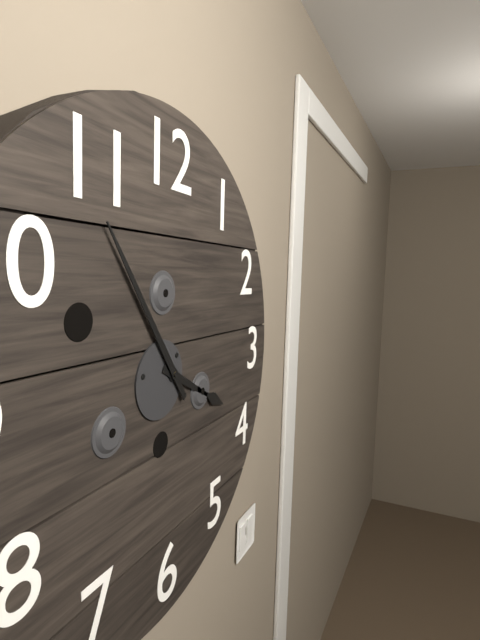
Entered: {"hour": 3, "minute": 54}
